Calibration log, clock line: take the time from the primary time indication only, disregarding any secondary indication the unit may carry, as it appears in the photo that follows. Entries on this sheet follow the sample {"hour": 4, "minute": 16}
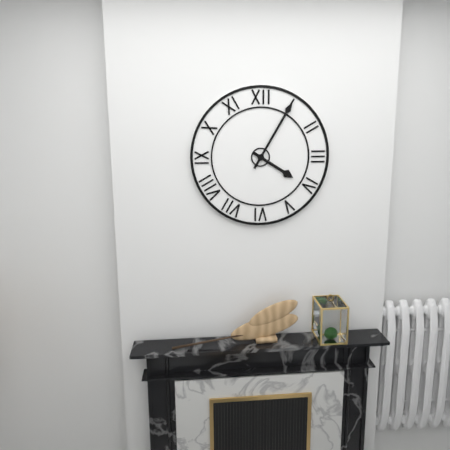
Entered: {"hour": 4, "minute": 5}
